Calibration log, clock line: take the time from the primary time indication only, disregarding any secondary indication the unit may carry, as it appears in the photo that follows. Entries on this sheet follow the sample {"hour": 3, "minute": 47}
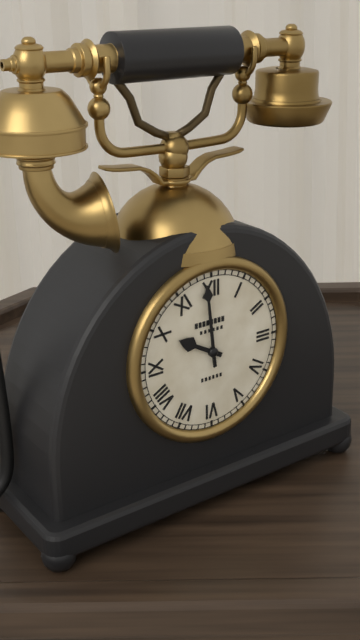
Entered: {"hour": 9, "minute": 59}
